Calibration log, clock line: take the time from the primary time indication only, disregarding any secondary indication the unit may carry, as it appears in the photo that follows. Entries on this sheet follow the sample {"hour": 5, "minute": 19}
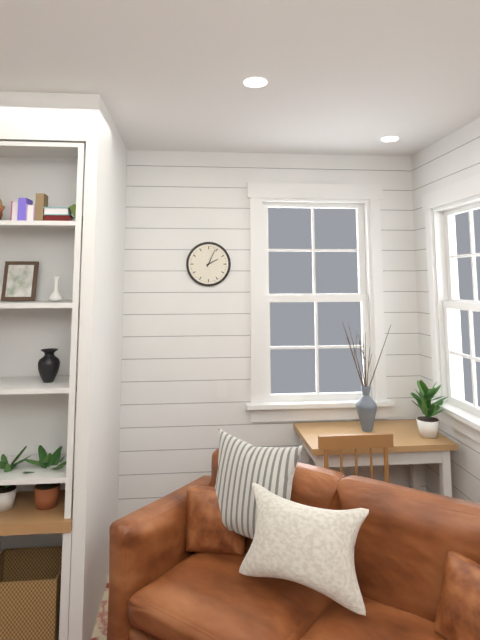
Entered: {"hour": 2, "minute": 4}
